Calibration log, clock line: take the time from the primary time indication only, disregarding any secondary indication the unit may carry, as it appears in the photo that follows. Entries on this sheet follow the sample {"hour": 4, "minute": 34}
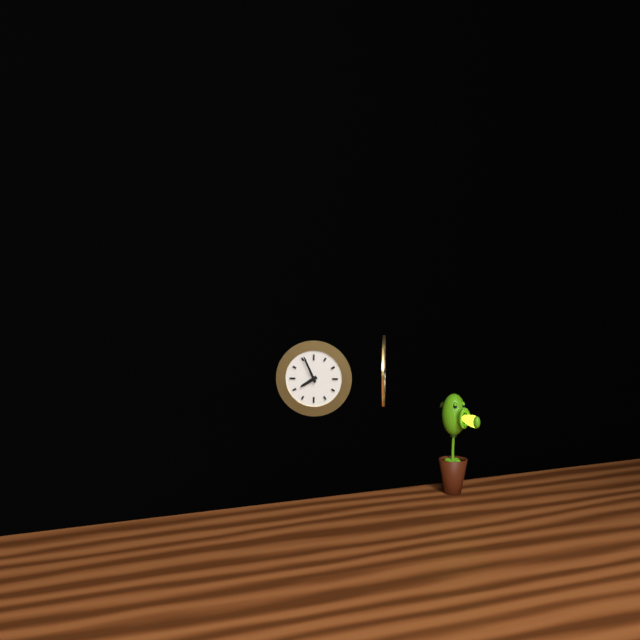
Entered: {"hour": 7, "minute": 56}
